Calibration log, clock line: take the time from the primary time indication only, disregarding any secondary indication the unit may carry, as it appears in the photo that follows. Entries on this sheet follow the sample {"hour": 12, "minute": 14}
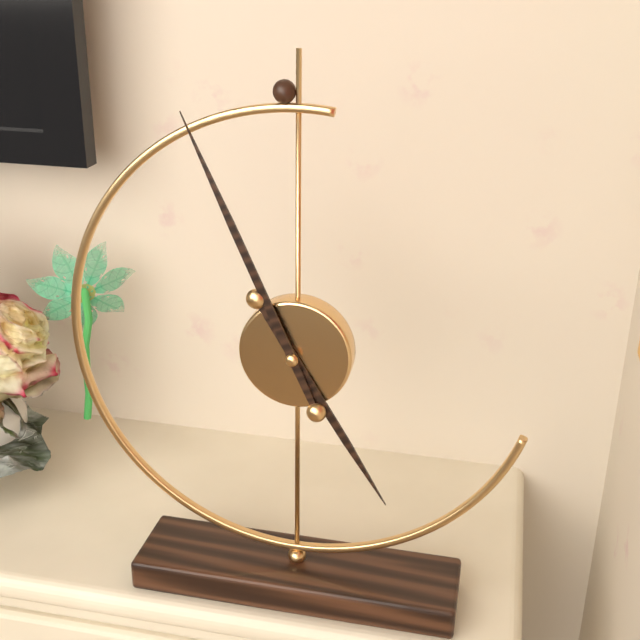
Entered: {"hour": 4, "minute": 56}
